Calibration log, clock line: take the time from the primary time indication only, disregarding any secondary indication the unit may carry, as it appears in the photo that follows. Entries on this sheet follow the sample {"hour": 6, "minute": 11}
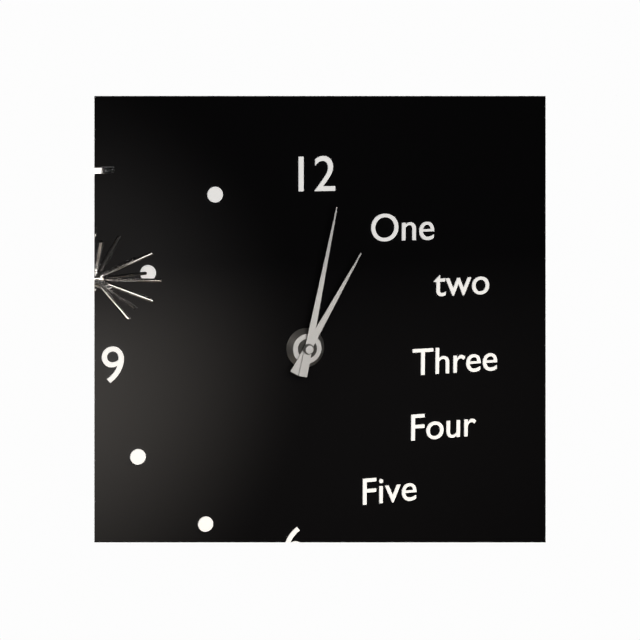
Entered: {"hour": 1, "minute": 2}
